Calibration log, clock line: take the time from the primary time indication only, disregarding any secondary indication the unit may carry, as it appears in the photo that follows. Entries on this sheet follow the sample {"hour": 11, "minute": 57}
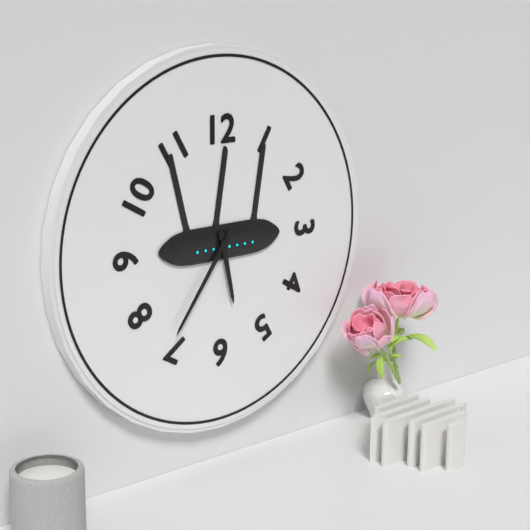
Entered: {"hour": 5, "minute": 36}
